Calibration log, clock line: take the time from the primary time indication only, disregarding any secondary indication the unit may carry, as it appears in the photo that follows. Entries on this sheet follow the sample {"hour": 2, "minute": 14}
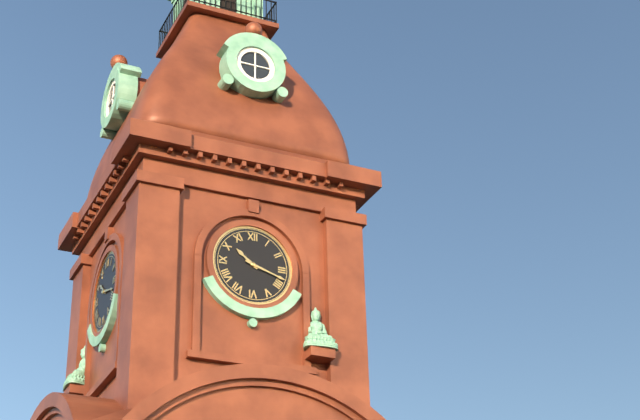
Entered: {"hour": 10, "minute": 18}
